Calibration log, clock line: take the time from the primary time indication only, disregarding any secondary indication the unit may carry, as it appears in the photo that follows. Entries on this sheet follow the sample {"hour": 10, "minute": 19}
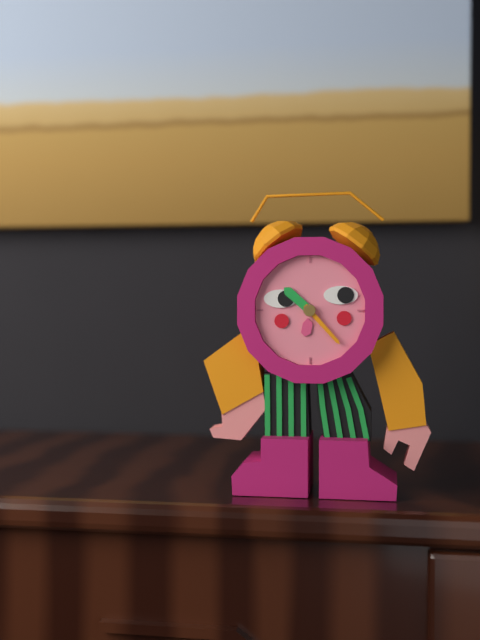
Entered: {"hour": 10, "minute": 23}
